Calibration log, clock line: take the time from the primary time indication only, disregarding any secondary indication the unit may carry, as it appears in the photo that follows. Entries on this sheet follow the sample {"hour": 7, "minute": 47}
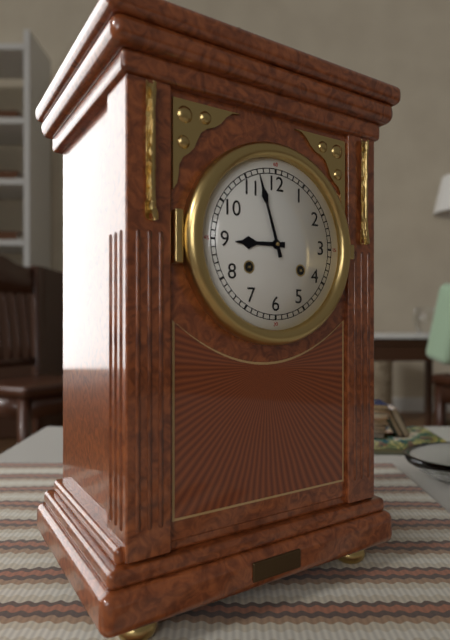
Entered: {"hour": 8, "minute": 57}
